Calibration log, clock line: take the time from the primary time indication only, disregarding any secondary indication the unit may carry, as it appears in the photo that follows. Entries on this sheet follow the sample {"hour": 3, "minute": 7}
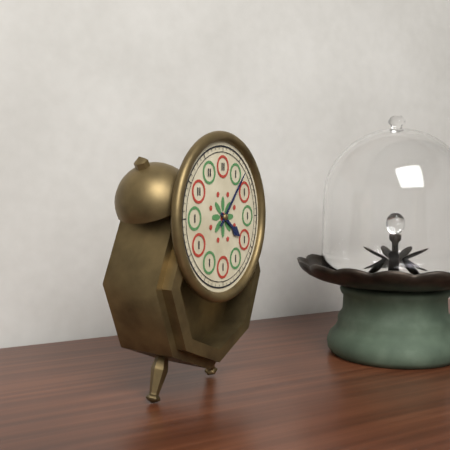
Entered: {"hour": 4, "minute": 7}
